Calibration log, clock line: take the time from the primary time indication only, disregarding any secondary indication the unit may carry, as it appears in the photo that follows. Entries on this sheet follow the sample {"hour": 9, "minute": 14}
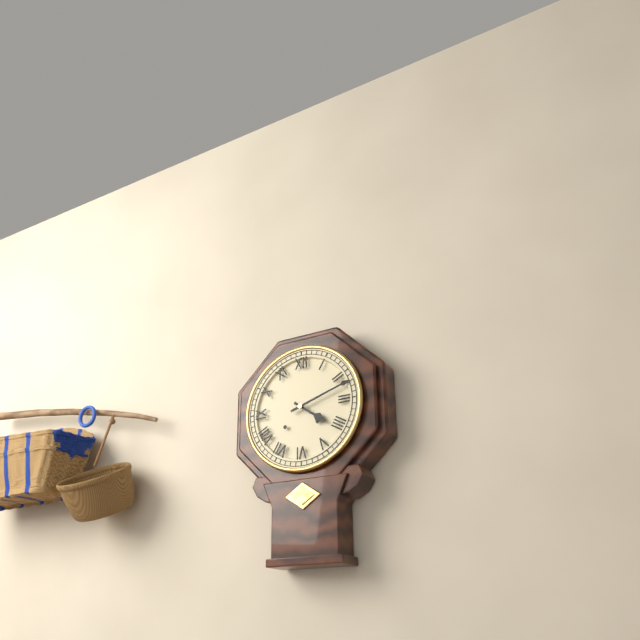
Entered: {"hour": 4, "minute": 12}
